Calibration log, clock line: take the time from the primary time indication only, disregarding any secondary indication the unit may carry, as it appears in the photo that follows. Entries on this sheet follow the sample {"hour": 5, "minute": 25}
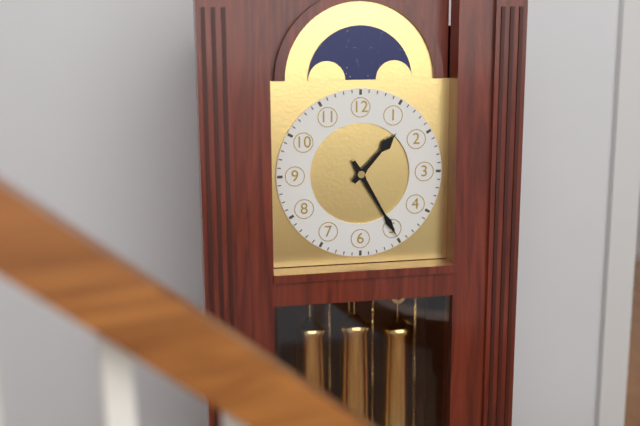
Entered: {"hour": 1, "minute": 25}
